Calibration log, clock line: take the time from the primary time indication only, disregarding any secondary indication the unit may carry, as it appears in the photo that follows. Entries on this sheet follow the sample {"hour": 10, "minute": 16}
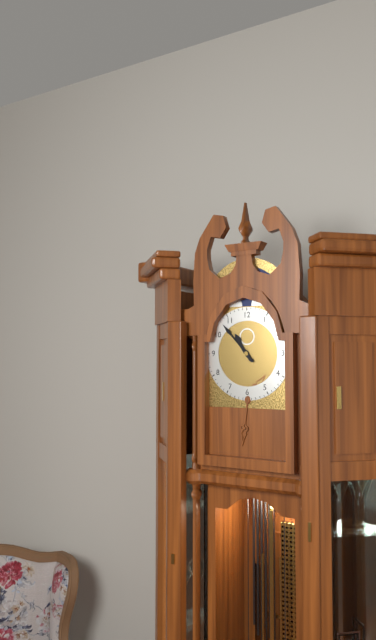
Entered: {"hour": 10, "minute": 53}
